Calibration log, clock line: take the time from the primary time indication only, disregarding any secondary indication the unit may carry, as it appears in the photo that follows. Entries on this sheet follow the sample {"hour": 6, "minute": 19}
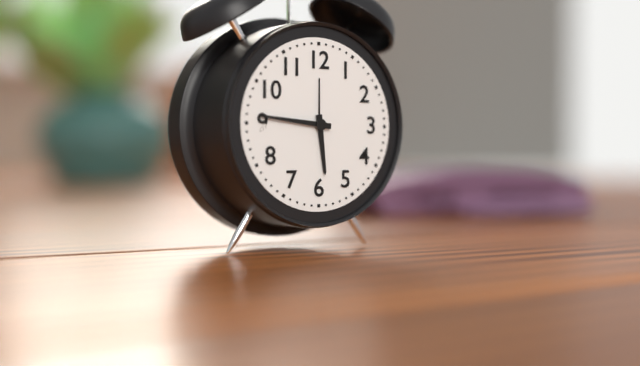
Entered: {"hour": 5, "minute": 46}
